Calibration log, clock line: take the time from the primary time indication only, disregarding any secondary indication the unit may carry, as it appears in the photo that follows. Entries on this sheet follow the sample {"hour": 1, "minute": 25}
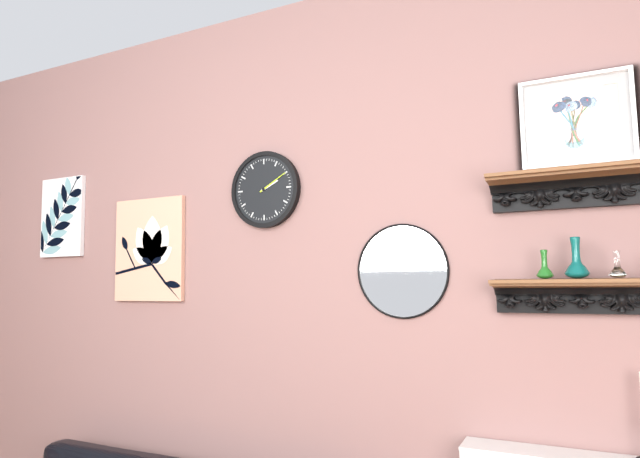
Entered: {"hour": 2, "minute": 10}
